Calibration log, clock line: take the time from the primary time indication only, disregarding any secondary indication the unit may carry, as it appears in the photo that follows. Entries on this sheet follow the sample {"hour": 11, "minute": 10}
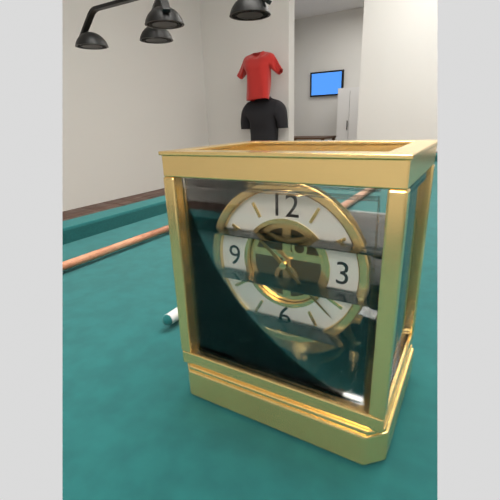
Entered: {"hour": 10, "minute": 22}
